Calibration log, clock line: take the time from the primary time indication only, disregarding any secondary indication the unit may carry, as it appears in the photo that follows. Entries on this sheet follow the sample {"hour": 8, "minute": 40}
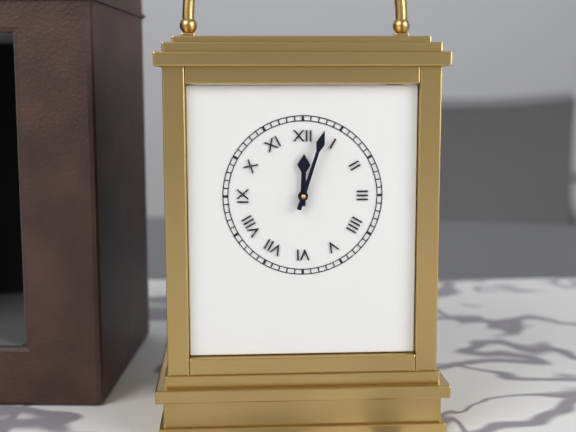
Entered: {"hour": 12, "minute": 3}
